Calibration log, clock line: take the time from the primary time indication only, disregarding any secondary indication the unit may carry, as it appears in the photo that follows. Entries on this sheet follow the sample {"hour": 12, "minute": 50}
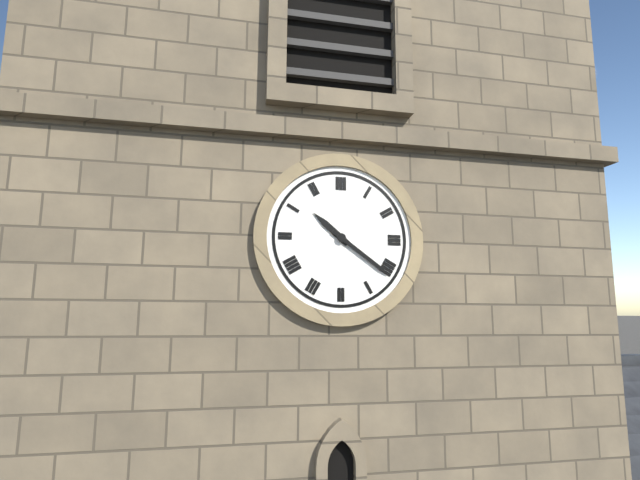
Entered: {"hour": 10, "minute": 21}
